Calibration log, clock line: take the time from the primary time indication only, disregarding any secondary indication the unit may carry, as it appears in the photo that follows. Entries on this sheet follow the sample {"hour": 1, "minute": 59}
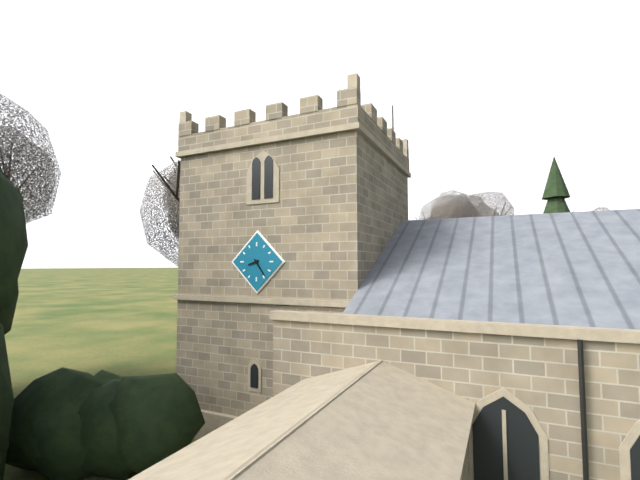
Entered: {"hour": 8, "minute": 24}
